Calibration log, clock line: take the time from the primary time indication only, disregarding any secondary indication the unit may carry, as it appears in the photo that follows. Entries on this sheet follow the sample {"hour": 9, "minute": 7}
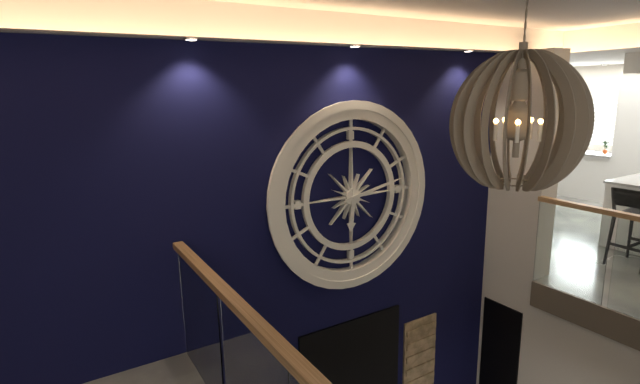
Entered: {"hour": 6, "minute": 13}
